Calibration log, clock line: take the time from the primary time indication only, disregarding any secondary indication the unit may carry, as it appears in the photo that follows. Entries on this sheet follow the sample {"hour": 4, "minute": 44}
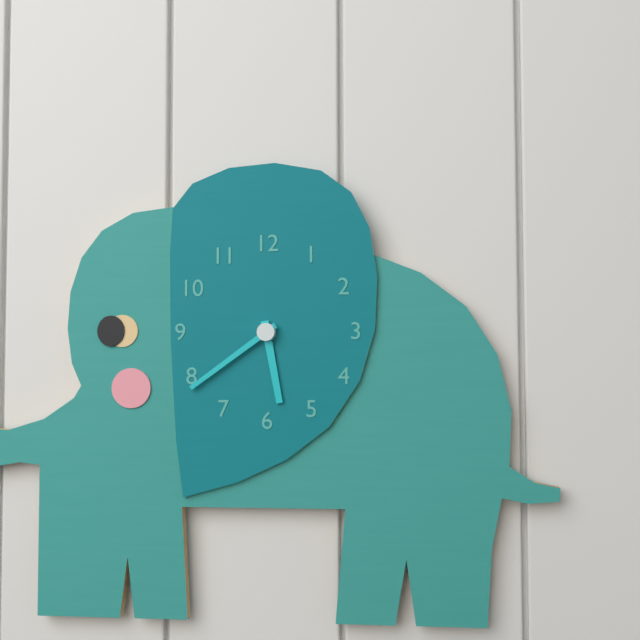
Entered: {"hour": 5, "minute": 39}
